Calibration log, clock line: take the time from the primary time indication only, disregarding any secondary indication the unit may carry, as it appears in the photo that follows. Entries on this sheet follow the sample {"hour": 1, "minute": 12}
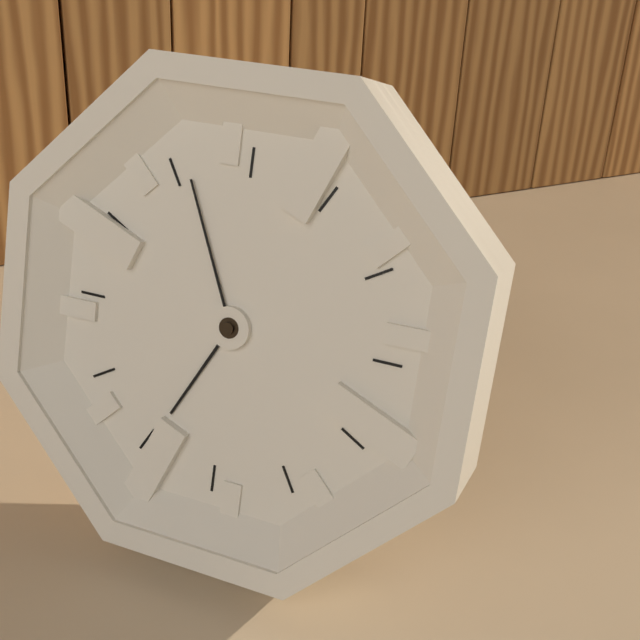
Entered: {"hour": 6, "minute": 56}
